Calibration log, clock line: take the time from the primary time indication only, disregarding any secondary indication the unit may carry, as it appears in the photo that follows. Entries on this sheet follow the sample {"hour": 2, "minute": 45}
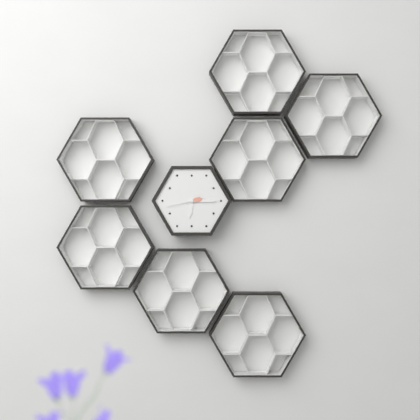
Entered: {"hour": 6, "minute": 15}
